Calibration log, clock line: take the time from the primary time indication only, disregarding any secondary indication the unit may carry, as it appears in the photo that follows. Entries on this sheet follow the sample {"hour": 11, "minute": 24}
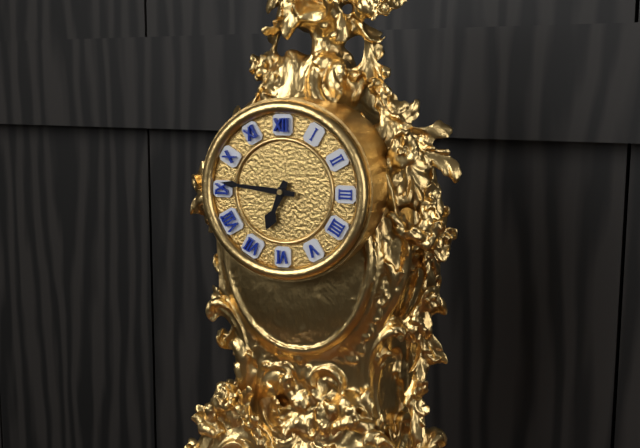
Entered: {"hour": 6, "minute": 46}
